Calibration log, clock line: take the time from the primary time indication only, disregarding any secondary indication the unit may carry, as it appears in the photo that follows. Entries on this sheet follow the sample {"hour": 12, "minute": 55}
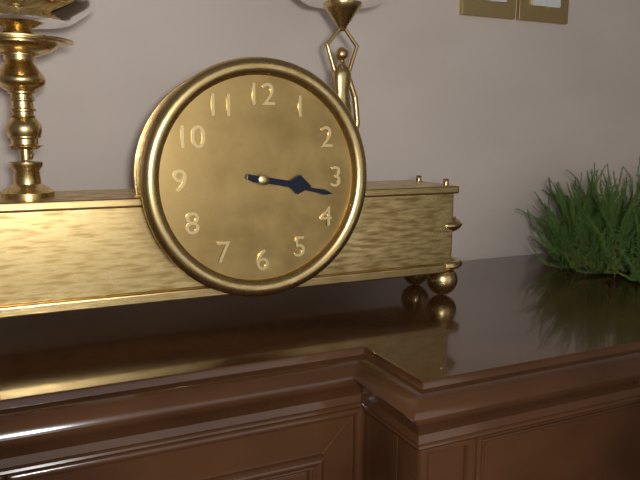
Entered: {"hour": 3, "minute": 17}
